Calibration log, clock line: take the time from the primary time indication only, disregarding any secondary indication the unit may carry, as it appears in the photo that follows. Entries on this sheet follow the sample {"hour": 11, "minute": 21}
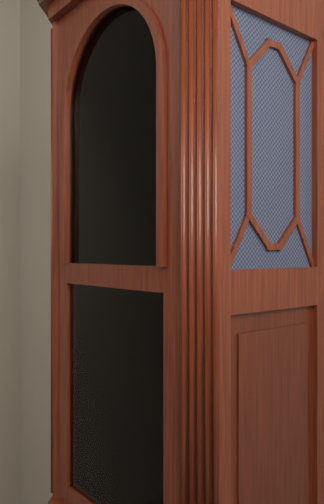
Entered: {"hour": 4, "minute": 32}
